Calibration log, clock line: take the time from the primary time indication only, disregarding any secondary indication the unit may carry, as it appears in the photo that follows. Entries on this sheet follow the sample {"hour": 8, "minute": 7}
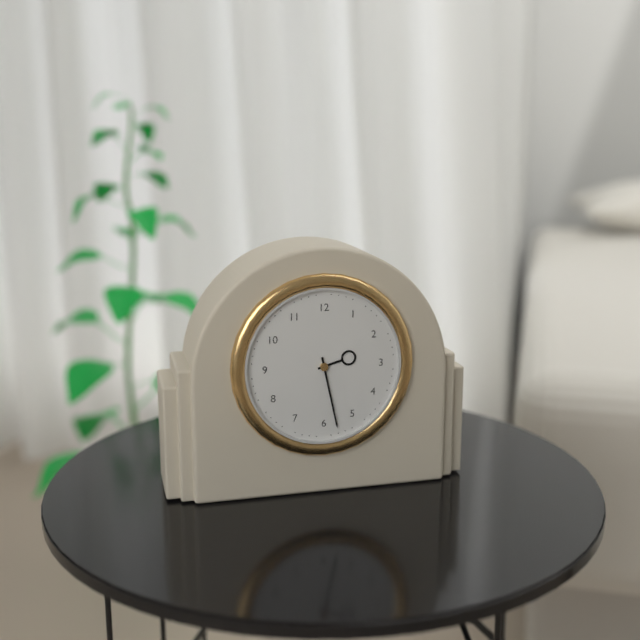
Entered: {"hour": 2, "minute": 28}
